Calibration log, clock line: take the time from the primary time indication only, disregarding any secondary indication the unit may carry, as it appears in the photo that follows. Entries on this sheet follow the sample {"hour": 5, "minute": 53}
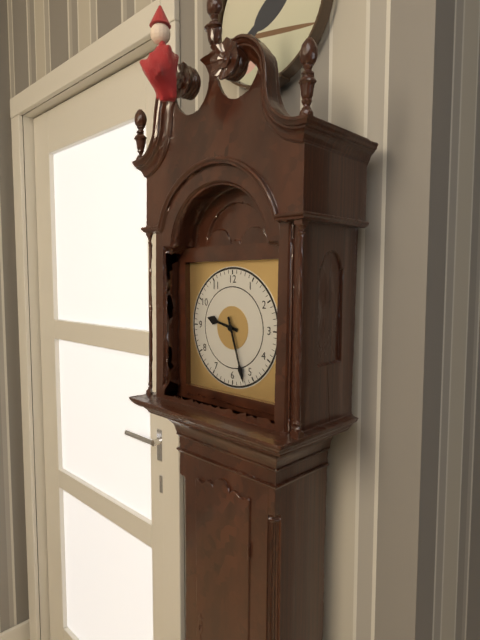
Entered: {"hour": 9, "minute": 27}
